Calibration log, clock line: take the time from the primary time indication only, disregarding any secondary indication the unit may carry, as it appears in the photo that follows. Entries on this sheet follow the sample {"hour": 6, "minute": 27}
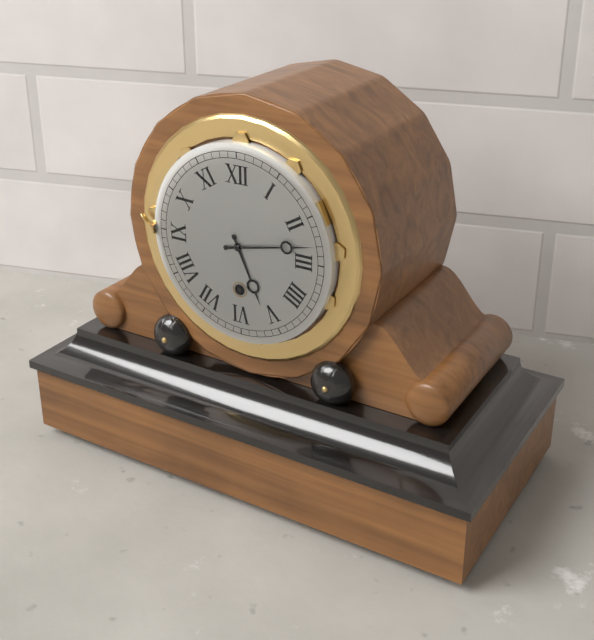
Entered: {"hour": 5, "minute": 13}
